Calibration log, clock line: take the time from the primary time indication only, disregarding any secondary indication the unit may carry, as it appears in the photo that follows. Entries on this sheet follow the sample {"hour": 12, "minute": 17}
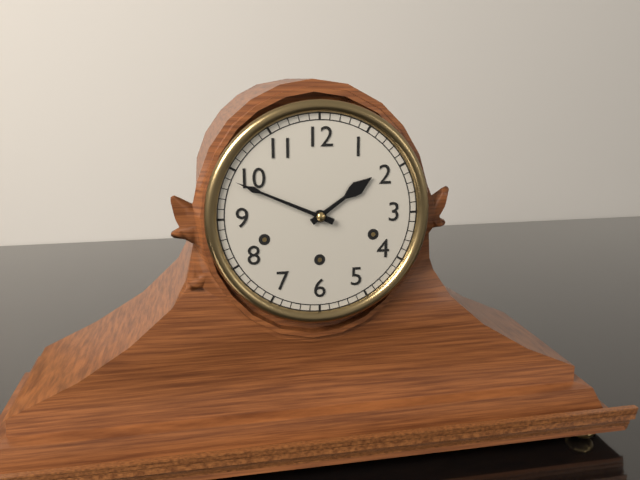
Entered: {"hour": 1, "minute": 49}
